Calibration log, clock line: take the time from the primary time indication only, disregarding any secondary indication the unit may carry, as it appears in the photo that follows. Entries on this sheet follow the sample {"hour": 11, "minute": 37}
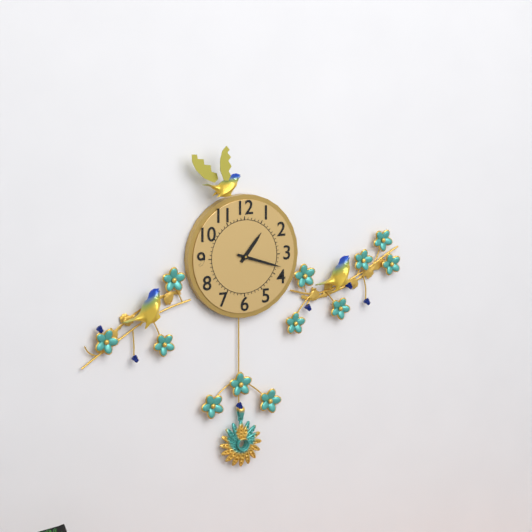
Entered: {"hour": 1, "minute": 18}
